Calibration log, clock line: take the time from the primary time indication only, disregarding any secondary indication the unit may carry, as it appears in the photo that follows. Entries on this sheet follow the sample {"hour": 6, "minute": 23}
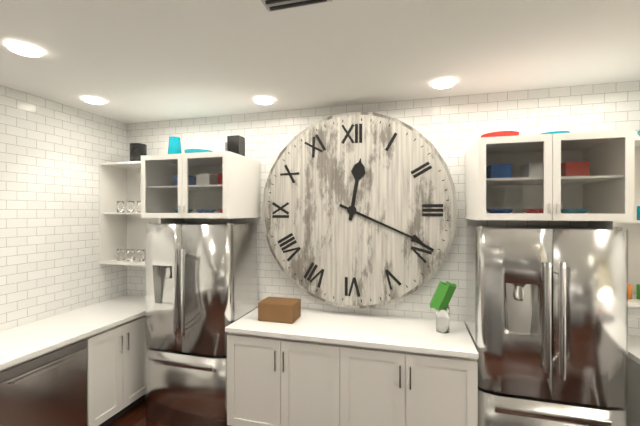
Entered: {"hour": 12, "minute": 19}
